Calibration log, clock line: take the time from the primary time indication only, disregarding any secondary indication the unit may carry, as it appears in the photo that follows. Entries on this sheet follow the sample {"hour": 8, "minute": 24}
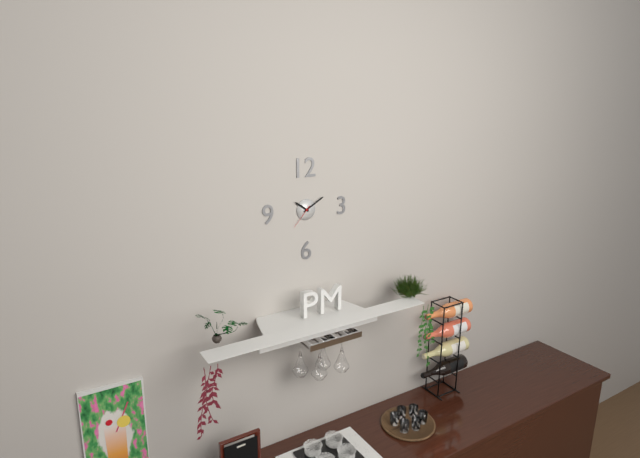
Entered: {"hour": 10, "minute": 10}
